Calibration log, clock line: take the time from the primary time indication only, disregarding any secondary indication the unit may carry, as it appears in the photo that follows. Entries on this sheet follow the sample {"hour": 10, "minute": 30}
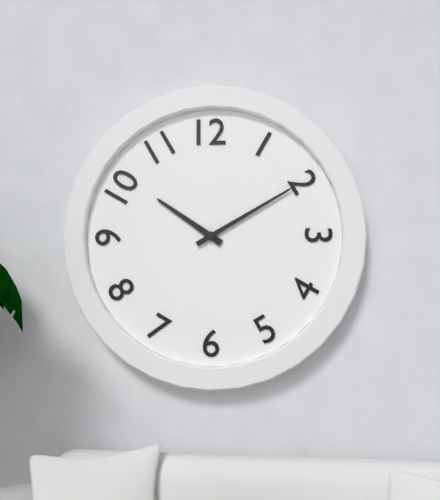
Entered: {"hour": 10, "minute": 10}
